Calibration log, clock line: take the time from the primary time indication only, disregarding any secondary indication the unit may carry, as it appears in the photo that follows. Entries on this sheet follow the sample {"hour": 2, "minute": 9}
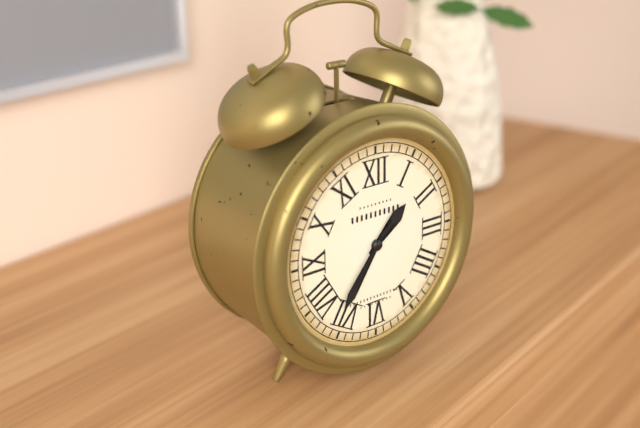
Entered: {"hour": 1, "minute": 36}
